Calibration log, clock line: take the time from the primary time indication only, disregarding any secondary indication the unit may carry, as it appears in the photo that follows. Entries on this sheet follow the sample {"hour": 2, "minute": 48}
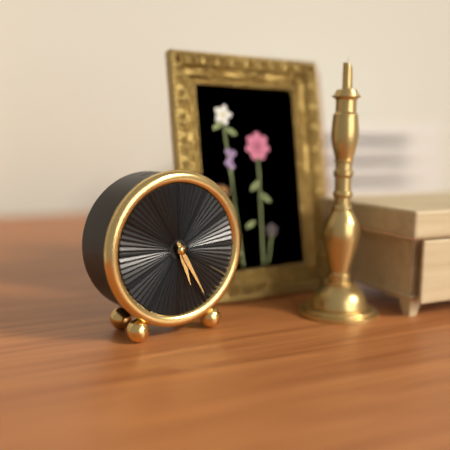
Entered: {"hour": 5, "minute": 25}
